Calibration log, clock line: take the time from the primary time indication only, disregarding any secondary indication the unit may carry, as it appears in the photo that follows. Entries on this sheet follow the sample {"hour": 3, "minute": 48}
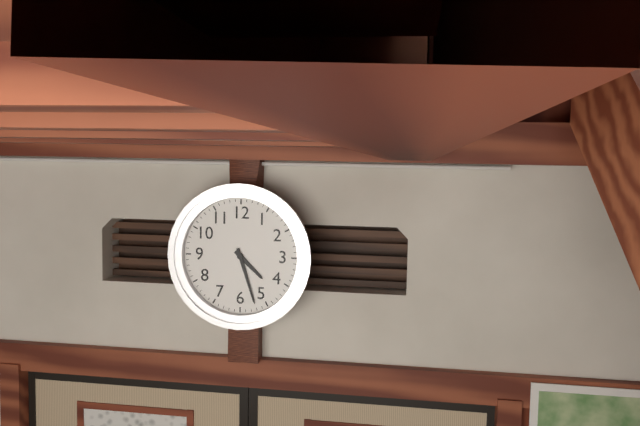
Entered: {"hour": 4, "minute": 27}
